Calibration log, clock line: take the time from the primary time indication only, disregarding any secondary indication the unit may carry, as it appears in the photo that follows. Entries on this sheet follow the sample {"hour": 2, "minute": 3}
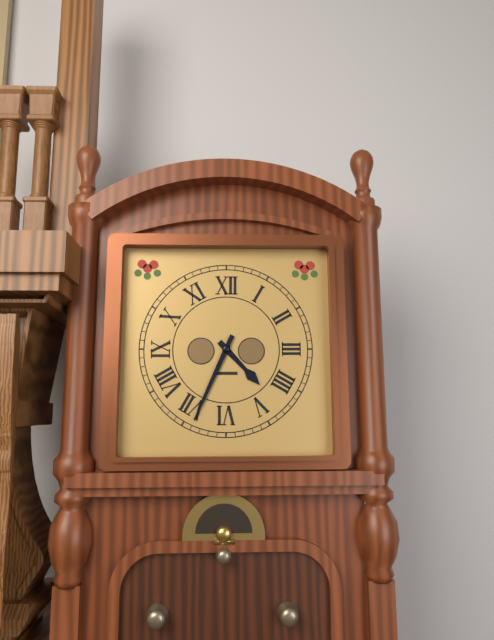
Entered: {"hour": 4, "minute": 34}
